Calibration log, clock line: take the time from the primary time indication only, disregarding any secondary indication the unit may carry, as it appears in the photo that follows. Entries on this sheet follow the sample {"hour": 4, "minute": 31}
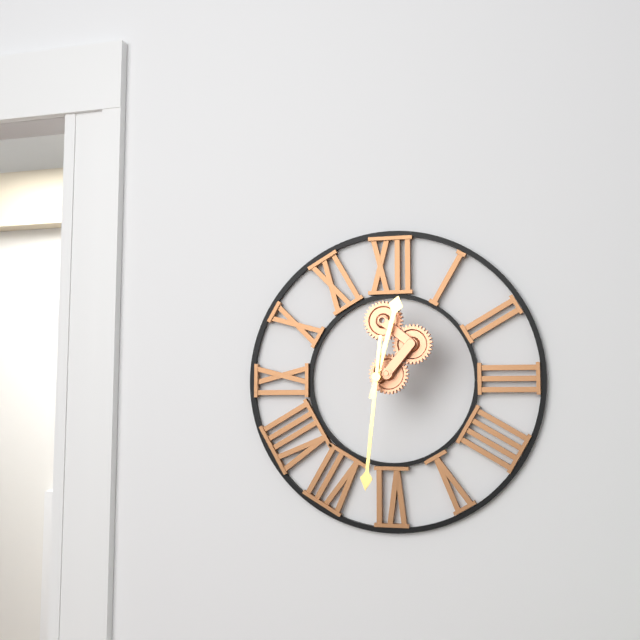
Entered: {"hour": 12, "minute": 31}
